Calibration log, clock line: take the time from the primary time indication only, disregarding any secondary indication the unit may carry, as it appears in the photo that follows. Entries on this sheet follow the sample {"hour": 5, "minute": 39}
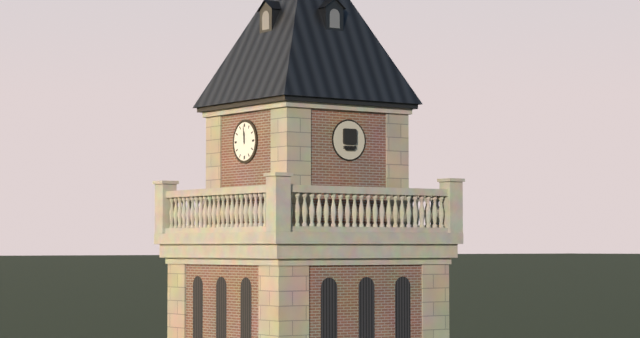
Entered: {"hour": 11, "minute": 59}
